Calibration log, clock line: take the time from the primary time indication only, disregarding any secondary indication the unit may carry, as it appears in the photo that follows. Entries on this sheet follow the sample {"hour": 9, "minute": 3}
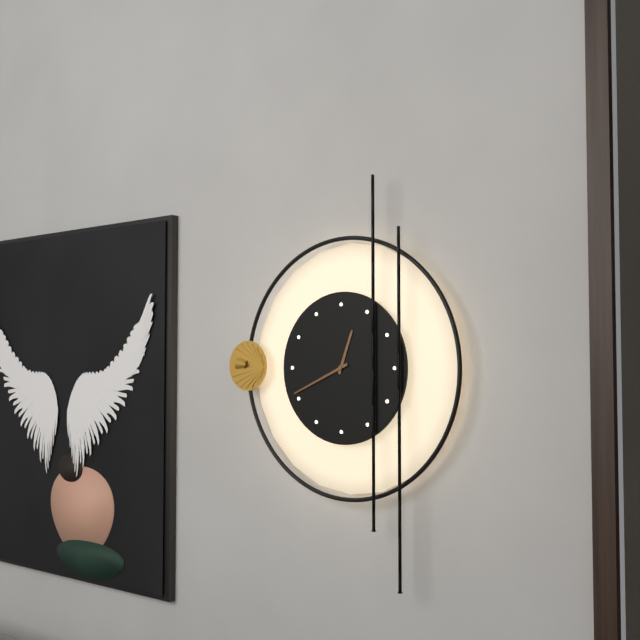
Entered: {"hour": 12, "minute": 41}
